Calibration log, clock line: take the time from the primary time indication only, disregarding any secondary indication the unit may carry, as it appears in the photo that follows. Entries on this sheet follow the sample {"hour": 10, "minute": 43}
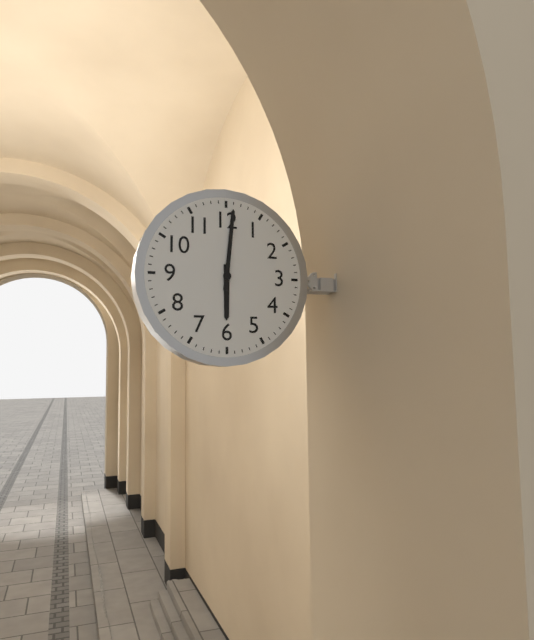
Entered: {"hour": 6, "minute": 1}
